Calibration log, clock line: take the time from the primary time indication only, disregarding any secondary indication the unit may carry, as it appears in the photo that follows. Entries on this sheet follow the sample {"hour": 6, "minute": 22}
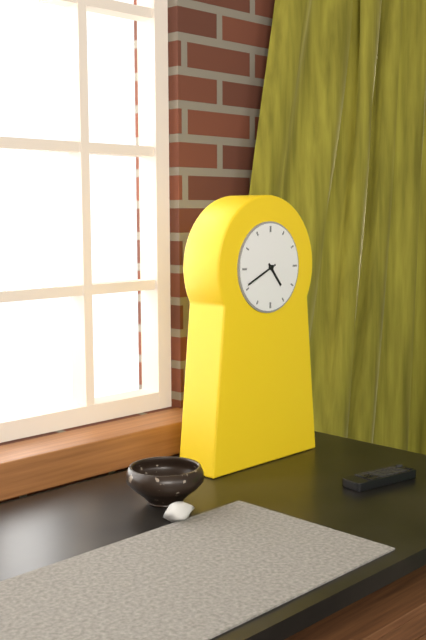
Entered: {"hour": 4, "minute": 41}
